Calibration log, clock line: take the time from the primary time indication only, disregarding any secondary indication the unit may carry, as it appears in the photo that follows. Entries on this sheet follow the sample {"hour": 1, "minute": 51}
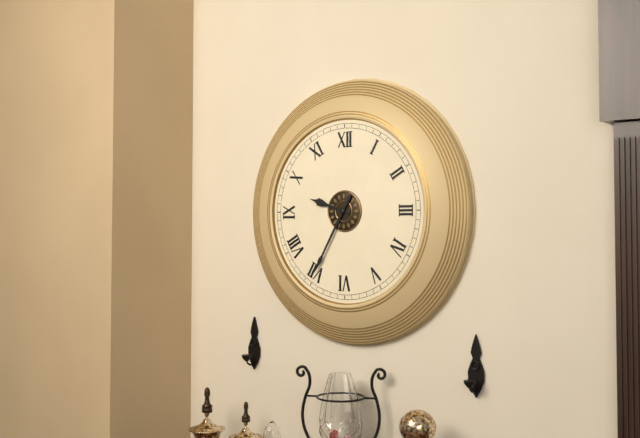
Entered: {"hour": 9, "minute": 35}
